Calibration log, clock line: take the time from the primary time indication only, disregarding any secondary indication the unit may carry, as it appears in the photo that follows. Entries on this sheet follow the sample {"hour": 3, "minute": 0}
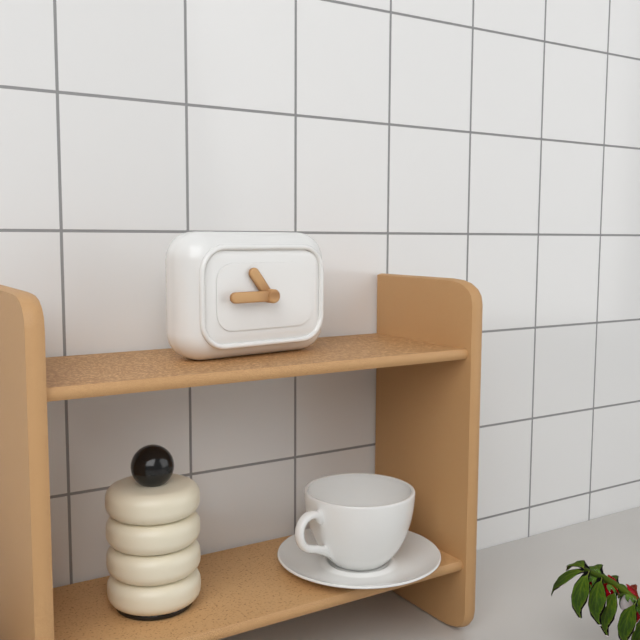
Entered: {"hour": 10, "minute": 45}
